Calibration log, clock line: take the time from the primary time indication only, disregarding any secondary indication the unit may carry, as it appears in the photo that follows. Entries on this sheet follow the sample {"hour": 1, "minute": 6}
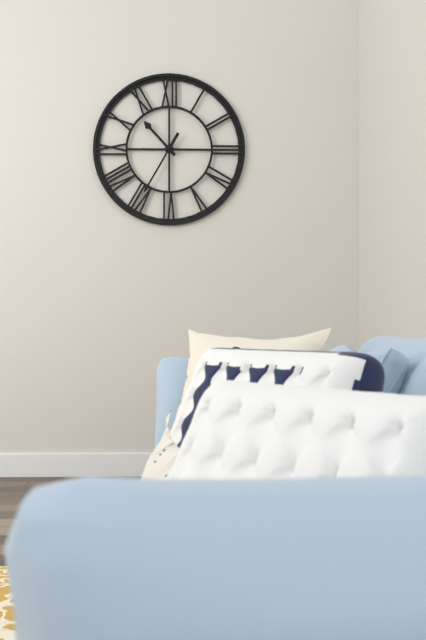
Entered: {"hour": 10, "minute": 35}
